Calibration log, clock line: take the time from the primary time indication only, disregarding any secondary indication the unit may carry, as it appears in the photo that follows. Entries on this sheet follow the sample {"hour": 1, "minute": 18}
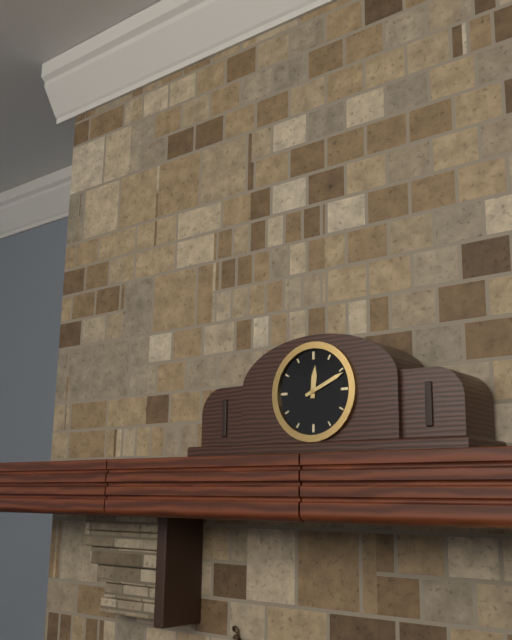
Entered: {"hour": 12, "minute": 11}
